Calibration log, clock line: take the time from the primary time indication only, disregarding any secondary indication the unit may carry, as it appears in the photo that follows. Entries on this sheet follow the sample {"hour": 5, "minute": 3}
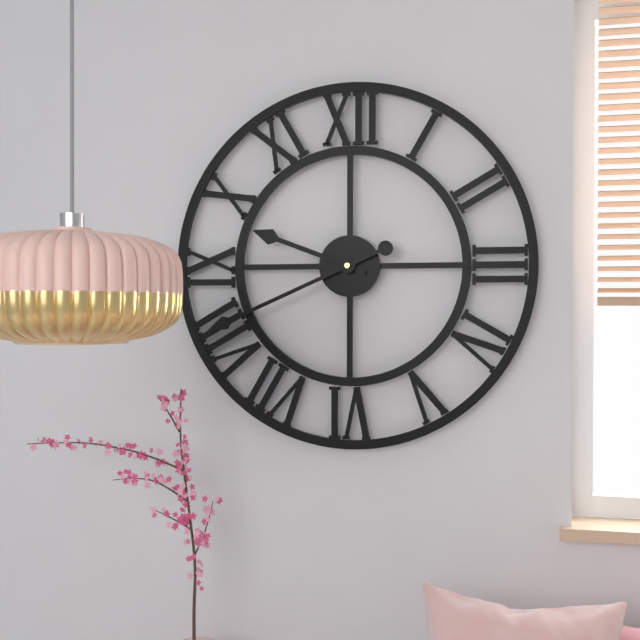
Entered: {"hour": 9, "minute": 41}
